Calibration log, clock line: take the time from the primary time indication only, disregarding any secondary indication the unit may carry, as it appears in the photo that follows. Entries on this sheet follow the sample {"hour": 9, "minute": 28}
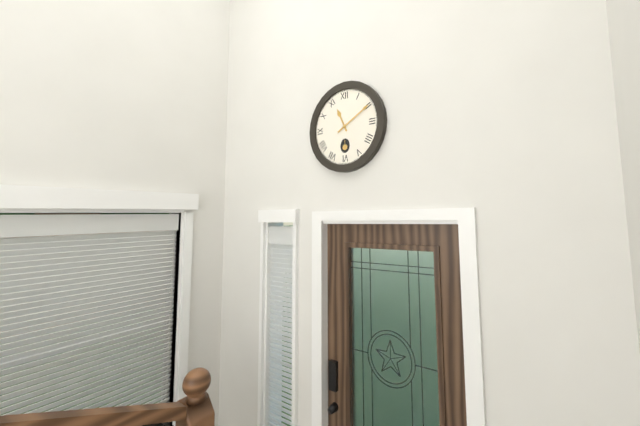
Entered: {"hour": 11, "minute": 10}
